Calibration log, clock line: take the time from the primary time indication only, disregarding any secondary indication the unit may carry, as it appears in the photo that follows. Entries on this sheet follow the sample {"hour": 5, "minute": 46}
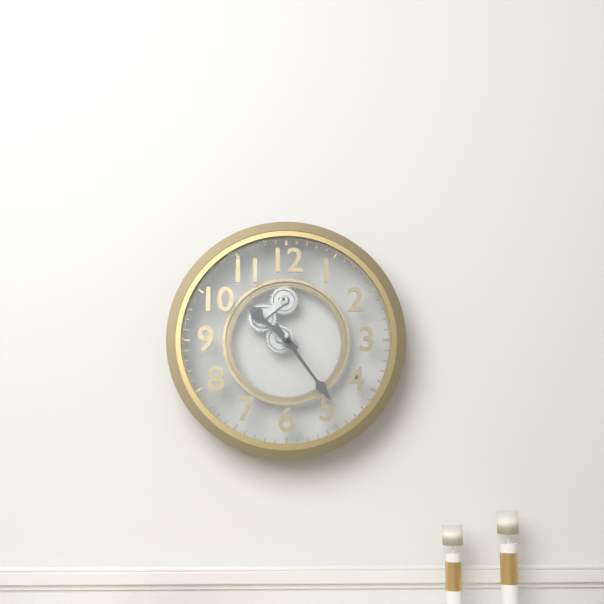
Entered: {"hour": 10, "minute": 24}
